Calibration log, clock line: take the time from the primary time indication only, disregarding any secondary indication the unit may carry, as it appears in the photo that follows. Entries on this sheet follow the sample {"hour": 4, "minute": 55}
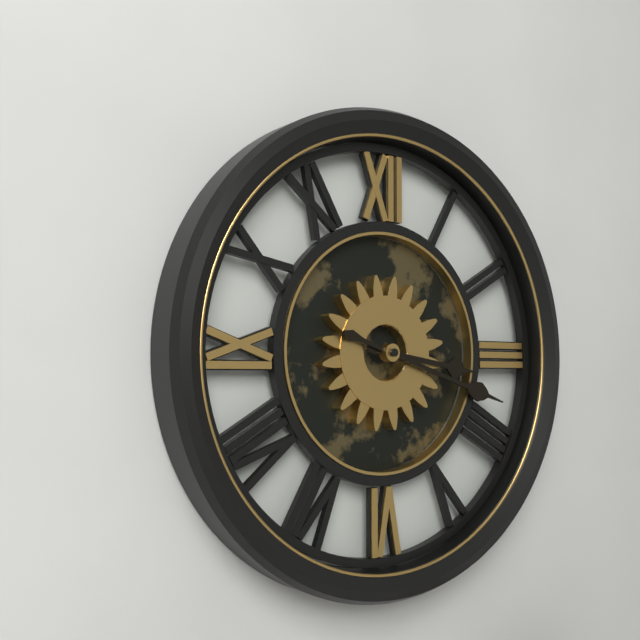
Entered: {"hour": 3, "minute": 18}
